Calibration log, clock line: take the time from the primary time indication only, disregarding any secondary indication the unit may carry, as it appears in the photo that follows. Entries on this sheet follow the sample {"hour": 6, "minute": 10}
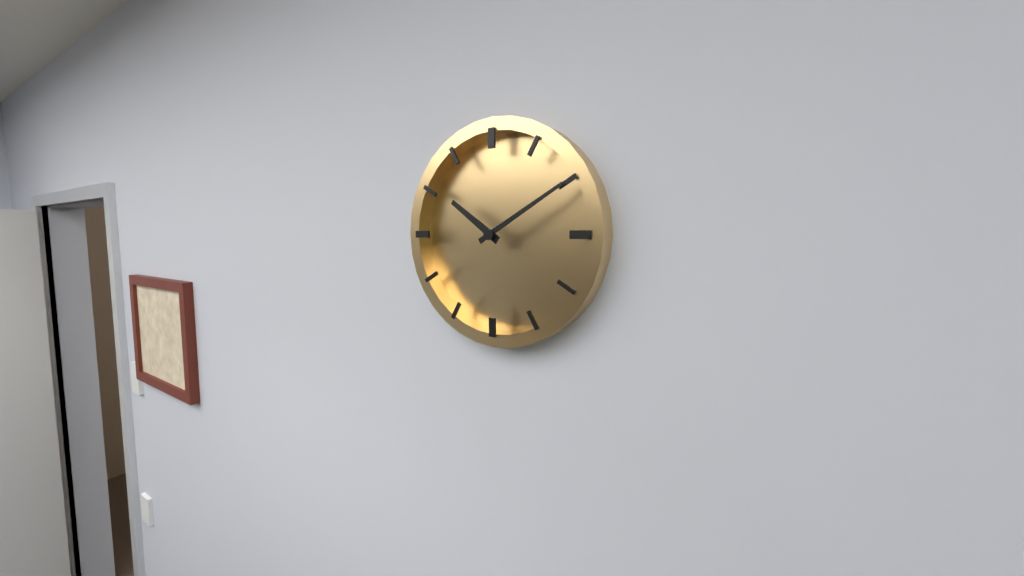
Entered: {"hour": 10, "minute": 10}
